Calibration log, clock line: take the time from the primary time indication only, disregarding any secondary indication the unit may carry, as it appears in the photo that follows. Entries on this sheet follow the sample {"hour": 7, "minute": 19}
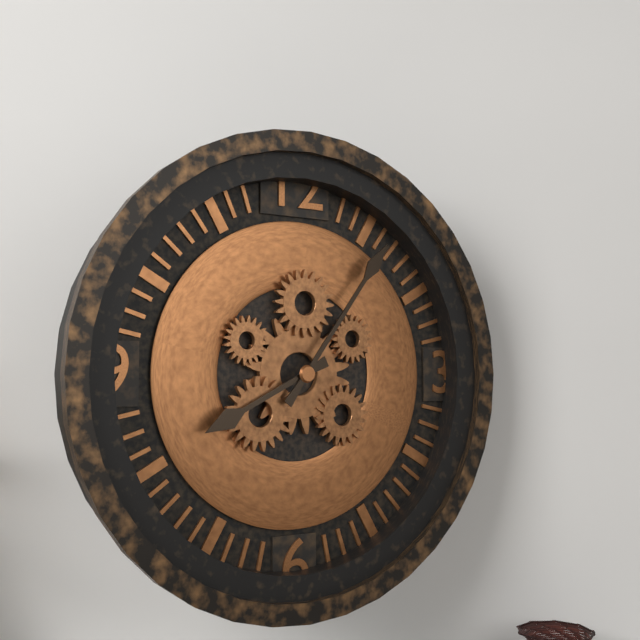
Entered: {"hour": 8, "minute": 6}
